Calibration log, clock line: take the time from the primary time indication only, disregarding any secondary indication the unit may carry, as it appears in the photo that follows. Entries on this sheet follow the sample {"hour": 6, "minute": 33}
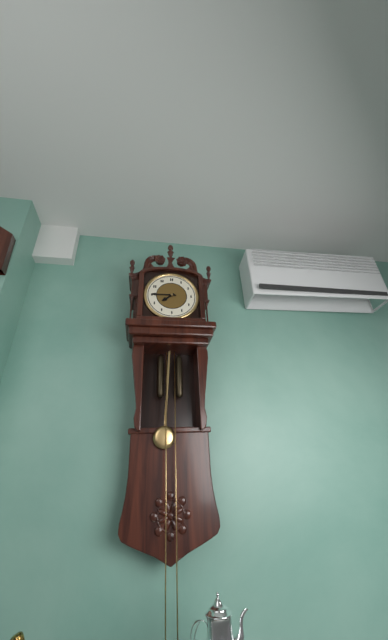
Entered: {"hour": 7, "minute": 45}
